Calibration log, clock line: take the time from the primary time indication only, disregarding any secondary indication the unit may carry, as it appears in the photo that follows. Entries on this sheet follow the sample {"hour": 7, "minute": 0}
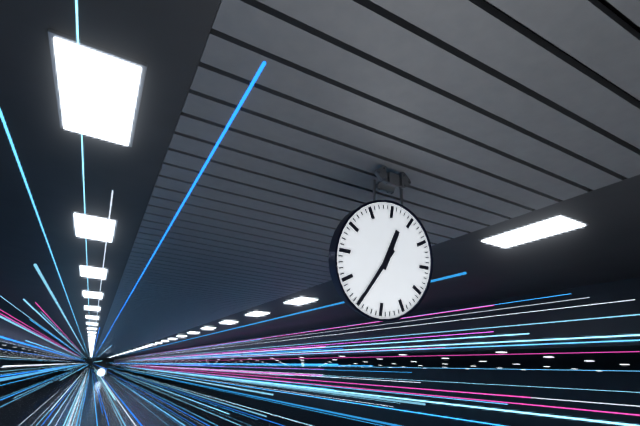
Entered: {"hour": 12, "minute": 35}
